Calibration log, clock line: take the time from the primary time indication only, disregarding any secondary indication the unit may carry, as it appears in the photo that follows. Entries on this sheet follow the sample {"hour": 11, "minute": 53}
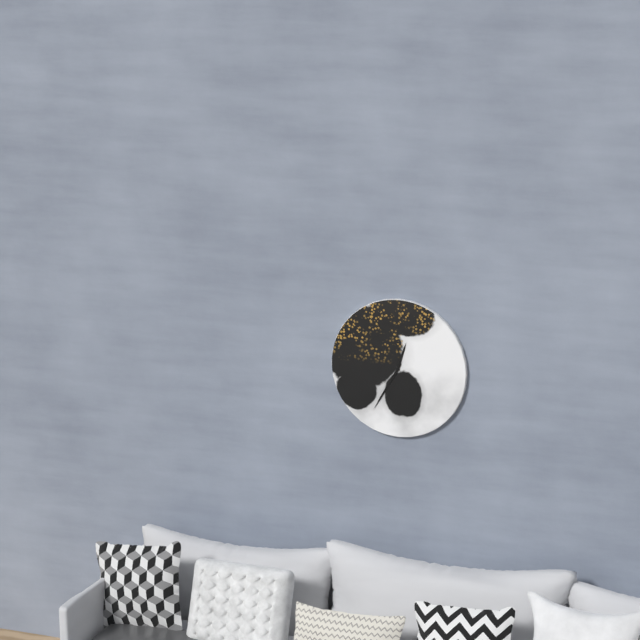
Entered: {"hour": 12, "minute": 35}
